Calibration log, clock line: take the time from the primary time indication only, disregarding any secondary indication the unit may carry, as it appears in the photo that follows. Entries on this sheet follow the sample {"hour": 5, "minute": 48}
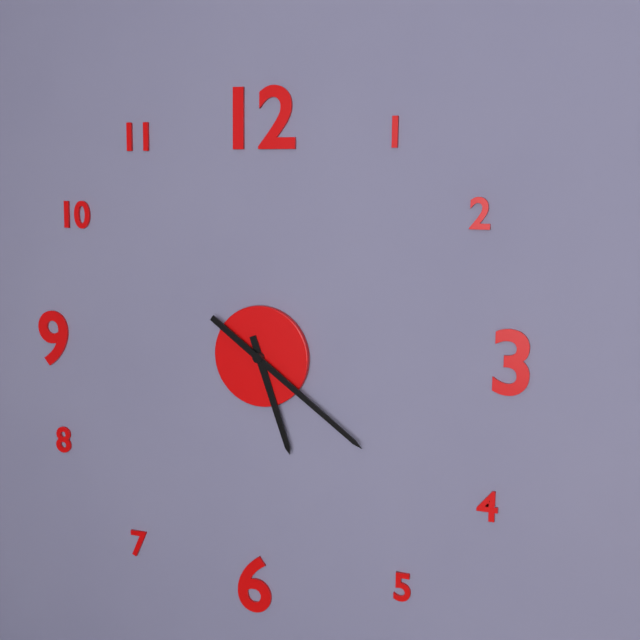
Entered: {"hour": 5, "minute": 21}
